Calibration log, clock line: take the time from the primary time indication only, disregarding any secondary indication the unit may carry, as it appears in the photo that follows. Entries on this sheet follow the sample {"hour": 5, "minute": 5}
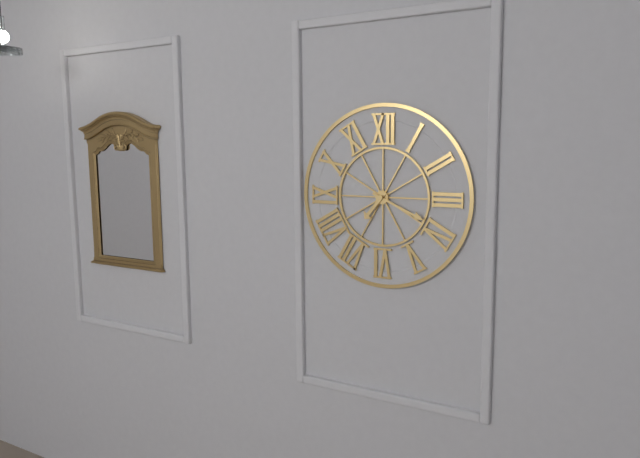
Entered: {"hour": 7, "minute": 19}
